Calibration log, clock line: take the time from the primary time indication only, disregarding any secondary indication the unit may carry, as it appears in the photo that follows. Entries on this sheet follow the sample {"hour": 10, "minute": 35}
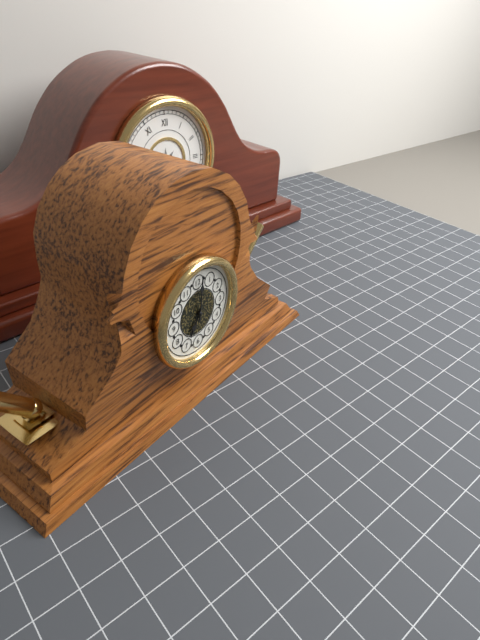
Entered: {"hour": 7, "minute": 1}
